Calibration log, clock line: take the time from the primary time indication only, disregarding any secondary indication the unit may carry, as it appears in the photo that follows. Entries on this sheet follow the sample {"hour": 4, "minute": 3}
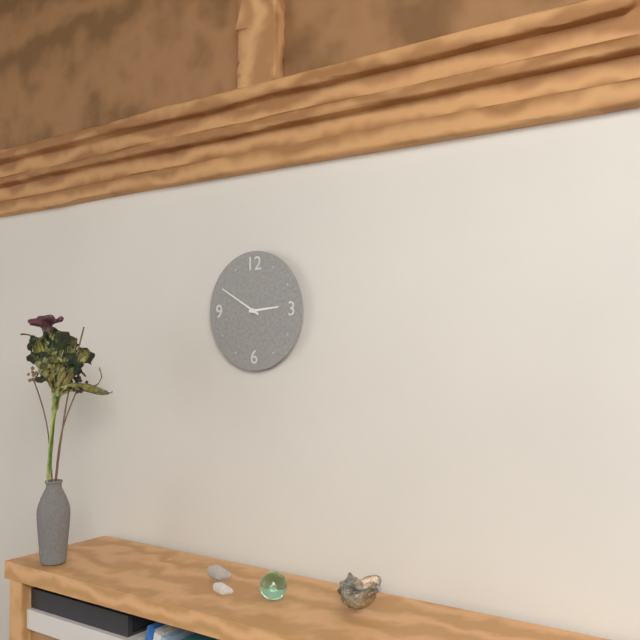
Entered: {"hour": 2, "minute": 50}
